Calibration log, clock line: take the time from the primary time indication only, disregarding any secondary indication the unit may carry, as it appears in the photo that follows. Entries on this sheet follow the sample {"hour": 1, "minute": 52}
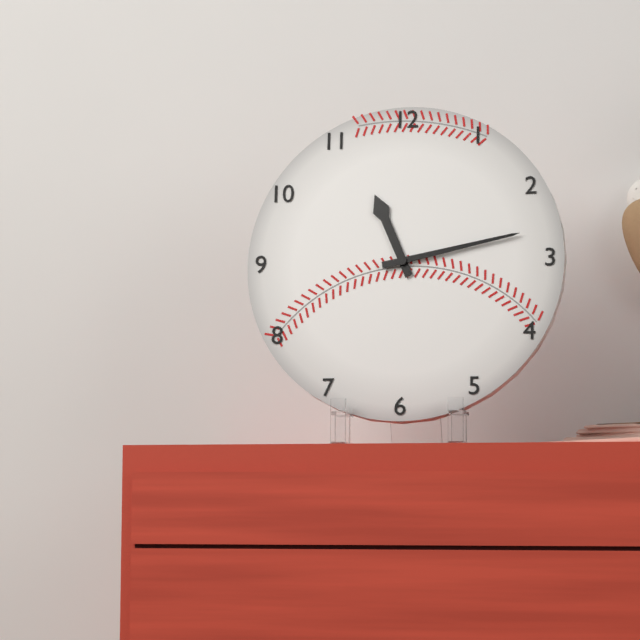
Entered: {"hour": 11, "minute": 13}
